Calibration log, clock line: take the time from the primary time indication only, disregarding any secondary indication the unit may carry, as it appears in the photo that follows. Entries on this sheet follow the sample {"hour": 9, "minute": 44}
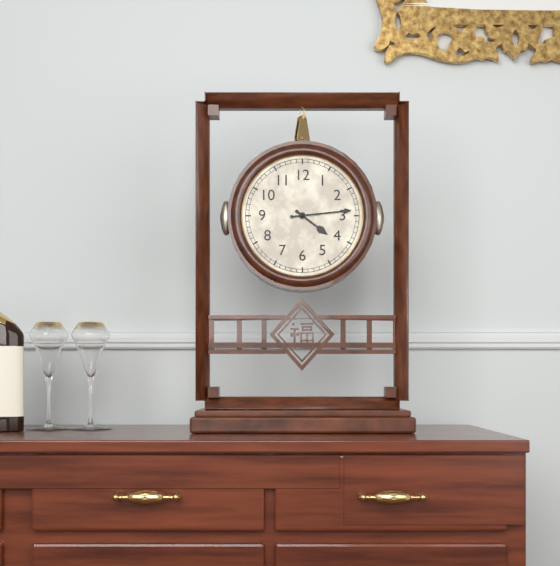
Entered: {"hour": 4, "minute": 14}
